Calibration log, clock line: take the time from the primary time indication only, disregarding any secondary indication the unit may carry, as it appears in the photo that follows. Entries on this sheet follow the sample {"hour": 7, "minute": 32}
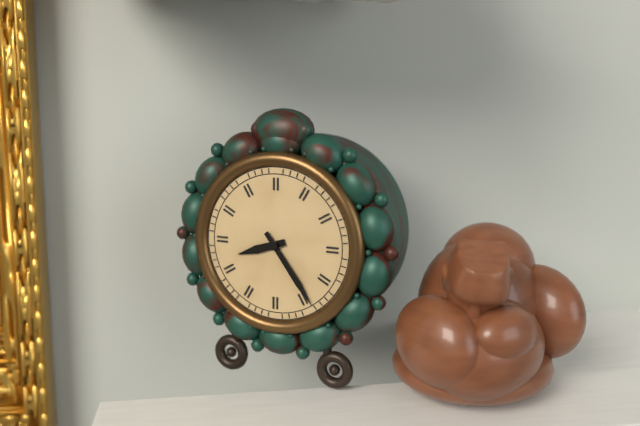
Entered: {"hour": 8, "minute": 24}
